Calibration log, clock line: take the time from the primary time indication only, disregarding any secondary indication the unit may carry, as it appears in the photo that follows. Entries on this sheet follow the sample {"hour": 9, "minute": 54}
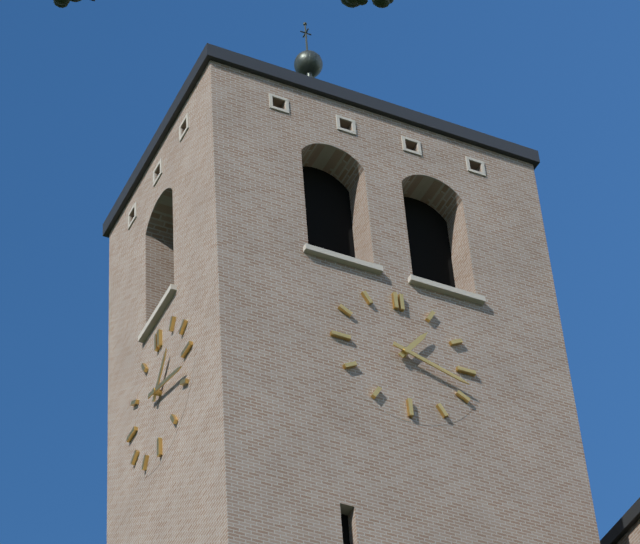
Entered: {"hour": 1, "minute": 18}
